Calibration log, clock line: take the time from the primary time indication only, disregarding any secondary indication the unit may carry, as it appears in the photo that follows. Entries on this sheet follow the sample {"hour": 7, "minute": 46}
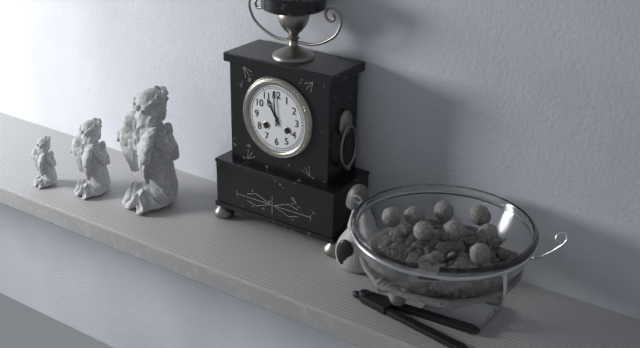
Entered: {"hour": 10, "minute": 59}
